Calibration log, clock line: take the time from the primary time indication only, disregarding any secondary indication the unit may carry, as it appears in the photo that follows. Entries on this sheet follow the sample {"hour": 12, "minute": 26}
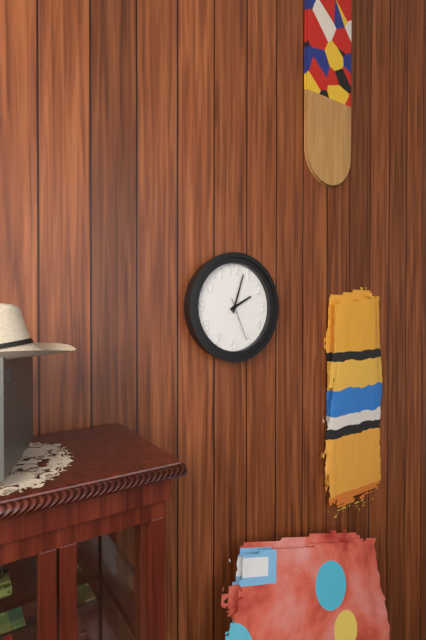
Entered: {"hour": 2, "minute": 3}
